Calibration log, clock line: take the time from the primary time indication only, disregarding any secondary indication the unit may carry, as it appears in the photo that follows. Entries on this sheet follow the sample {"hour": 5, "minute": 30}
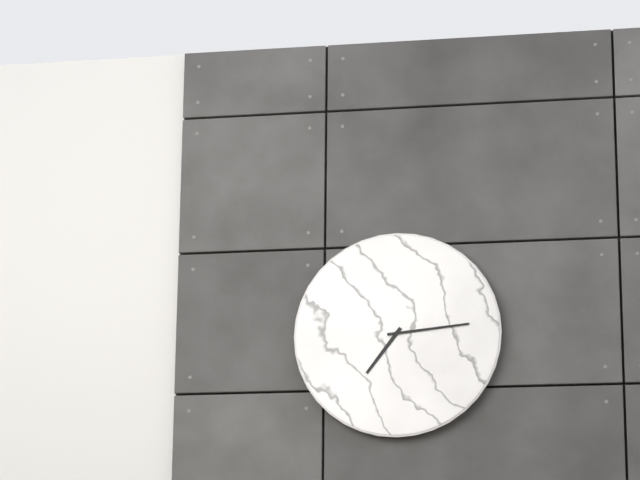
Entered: {"hour": 7, "minute": 14}
